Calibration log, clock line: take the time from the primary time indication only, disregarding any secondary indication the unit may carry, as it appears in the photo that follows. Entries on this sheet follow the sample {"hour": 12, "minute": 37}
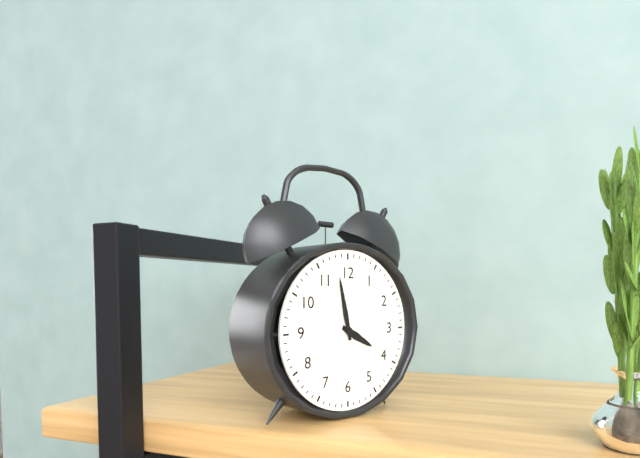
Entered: {"hour": 3, "minute": 58}
